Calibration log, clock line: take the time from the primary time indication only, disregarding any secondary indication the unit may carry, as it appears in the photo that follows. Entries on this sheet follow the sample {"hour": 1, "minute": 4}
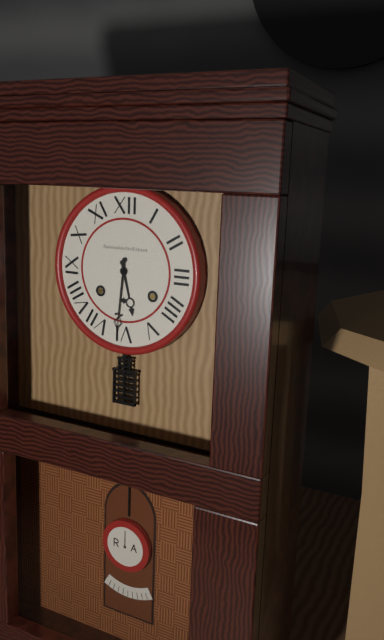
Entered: {"hour": 5, "minute": 31}
